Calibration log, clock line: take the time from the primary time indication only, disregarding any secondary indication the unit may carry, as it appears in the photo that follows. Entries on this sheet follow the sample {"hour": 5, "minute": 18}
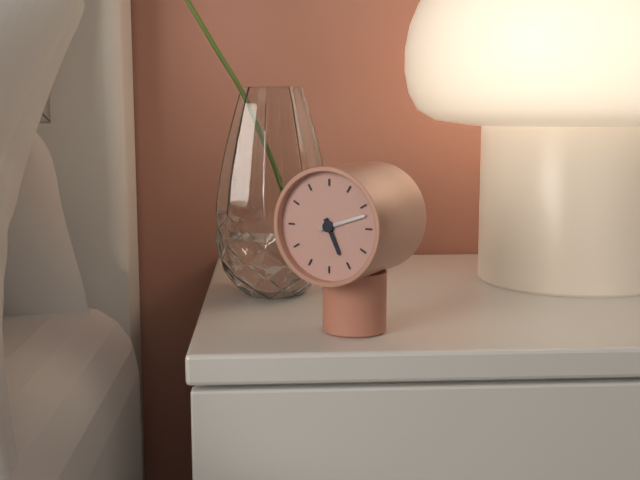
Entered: {"hour": 5, "minute": 12}
